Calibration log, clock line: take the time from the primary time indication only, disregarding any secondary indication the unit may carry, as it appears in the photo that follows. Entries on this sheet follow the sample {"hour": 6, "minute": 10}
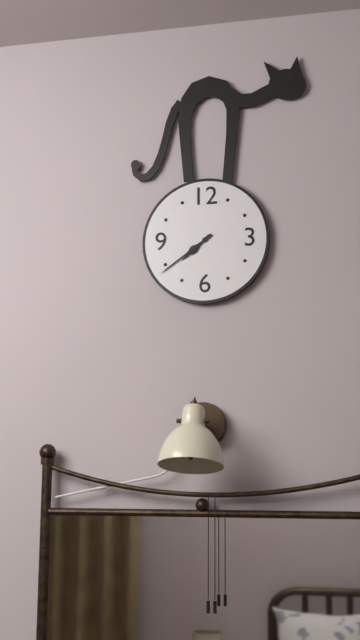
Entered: {"hour": 7, "minute": 39}
